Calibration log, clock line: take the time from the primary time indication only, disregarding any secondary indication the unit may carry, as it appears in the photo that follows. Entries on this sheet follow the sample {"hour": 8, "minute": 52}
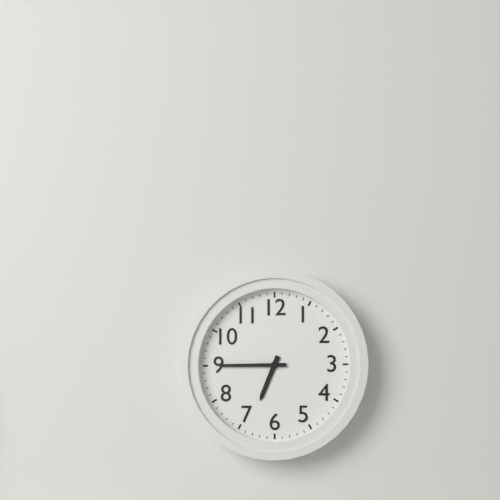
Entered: {"hour": 6, "minute": 45}
